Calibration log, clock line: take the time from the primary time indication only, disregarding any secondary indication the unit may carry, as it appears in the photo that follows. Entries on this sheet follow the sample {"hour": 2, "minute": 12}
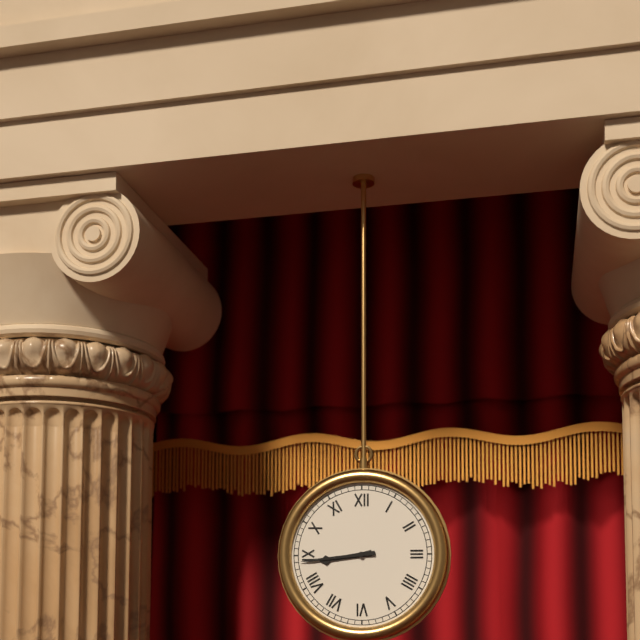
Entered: {"hour": 8, "minute": 44}
